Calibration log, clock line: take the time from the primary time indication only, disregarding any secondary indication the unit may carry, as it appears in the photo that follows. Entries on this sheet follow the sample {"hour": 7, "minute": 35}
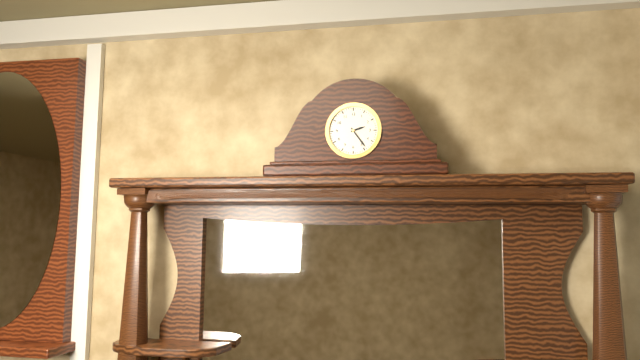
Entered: {"hour": 2, "minute": 24}
